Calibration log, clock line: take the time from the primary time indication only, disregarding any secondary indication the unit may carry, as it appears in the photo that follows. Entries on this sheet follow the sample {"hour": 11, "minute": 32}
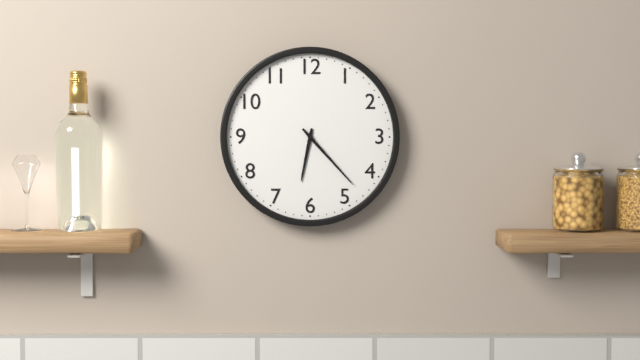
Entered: {"hour": 6, "minute": 23}
